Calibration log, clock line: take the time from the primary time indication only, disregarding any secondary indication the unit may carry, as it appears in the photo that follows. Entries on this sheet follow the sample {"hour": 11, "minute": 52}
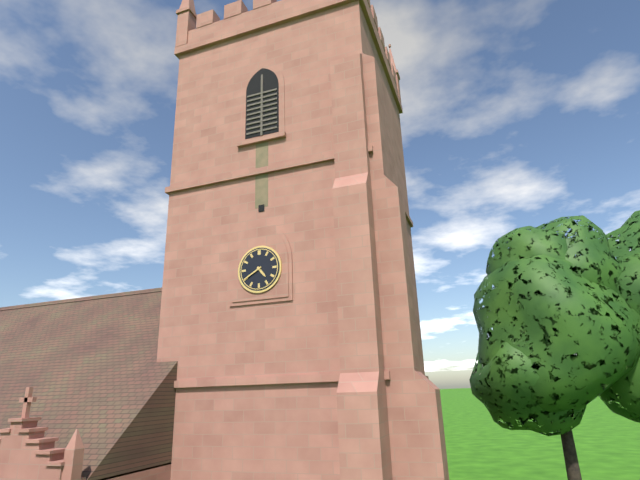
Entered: {"hour": 4, "minute": 40}
